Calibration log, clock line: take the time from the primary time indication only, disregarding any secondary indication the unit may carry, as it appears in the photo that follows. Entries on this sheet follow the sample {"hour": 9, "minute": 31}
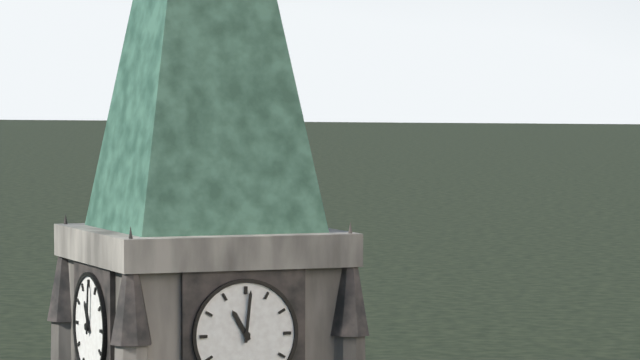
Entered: {"hour": 11, "minute": 1}
